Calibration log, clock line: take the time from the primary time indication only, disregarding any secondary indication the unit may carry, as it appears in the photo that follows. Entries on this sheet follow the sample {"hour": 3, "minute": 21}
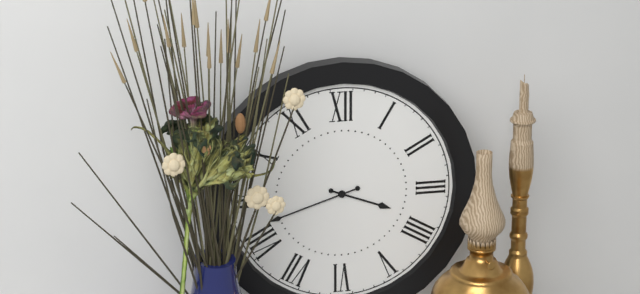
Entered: {"hour": 3, "minute": 42}
